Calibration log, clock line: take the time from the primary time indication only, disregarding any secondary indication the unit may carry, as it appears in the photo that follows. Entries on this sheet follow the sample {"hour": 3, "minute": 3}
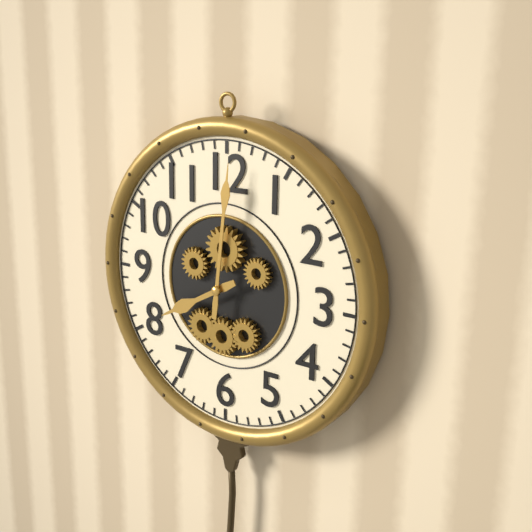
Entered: {"hour": 8, "minute": 1}
